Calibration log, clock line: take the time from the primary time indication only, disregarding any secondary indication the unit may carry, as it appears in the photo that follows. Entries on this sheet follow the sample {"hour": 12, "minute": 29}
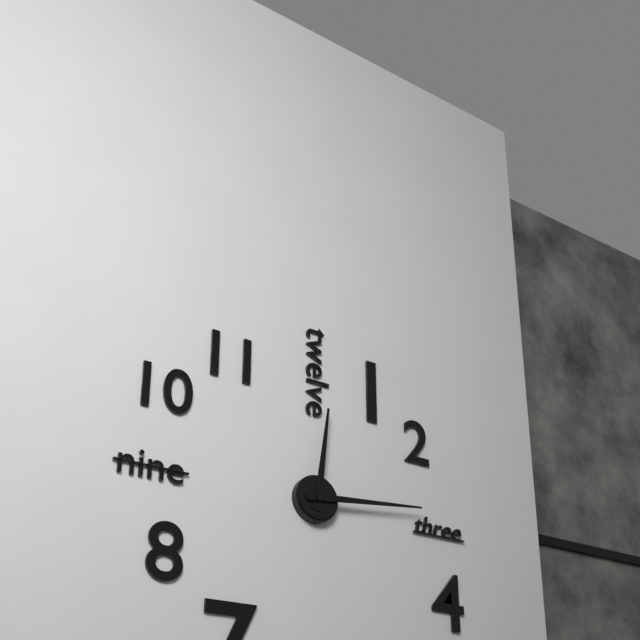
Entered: {"hour": 12, "minute": 14}
